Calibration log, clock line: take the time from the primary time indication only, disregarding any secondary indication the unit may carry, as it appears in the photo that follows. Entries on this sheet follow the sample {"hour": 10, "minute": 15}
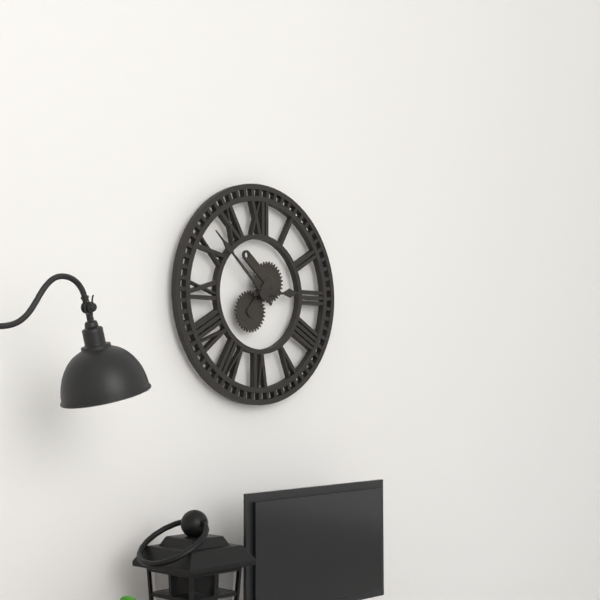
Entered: {"hour": 2, "minute": 52}
